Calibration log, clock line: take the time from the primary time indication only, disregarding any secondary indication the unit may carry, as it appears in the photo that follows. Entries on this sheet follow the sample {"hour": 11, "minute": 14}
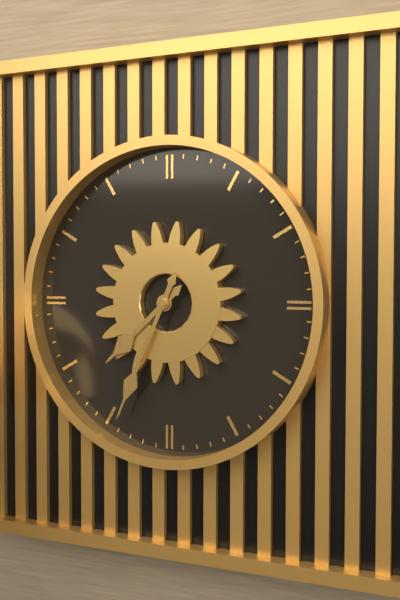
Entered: {"hour": 7, "minute": 34}
